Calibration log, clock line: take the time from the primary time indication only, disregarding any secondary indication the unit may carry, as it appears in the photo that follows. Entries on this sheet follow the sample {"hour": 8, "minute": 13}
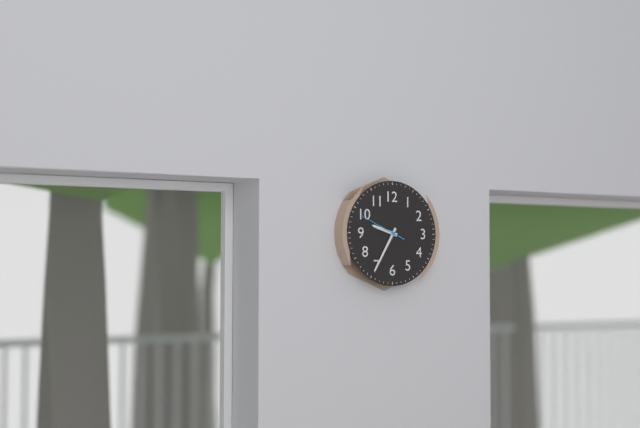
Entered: {"hour": 9, "minute": 35}
